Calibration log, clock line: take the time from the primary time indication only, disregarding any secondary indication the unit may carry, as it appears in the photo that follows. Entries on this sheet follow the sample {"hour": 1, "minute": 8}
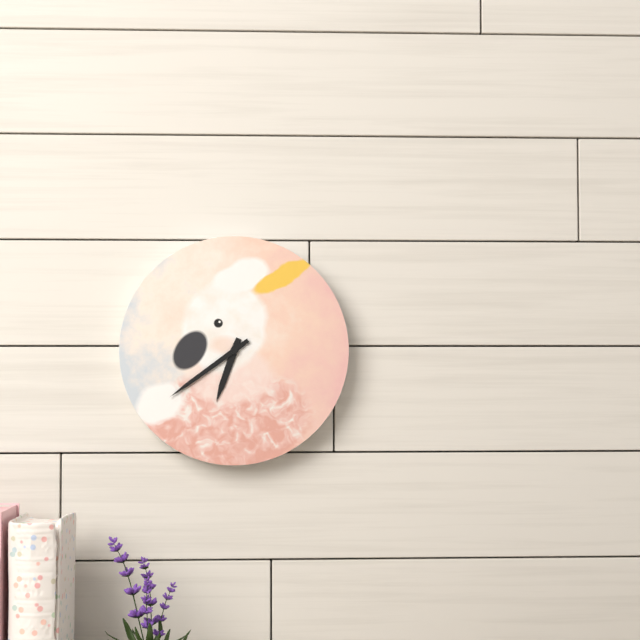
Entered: {"hour": 6, "minute": 39}
